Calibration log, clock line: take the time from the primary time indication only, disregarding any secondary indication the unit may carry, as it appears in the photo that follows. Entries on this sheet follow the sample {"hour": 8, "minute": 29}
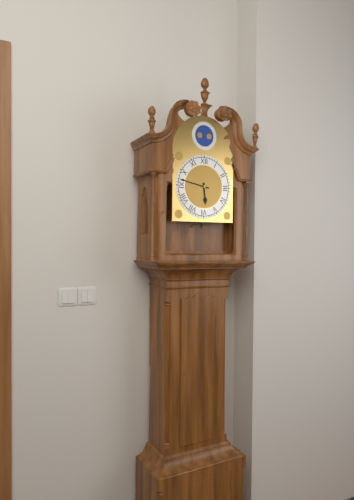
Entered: {"hour": 5, "minute": 47}
